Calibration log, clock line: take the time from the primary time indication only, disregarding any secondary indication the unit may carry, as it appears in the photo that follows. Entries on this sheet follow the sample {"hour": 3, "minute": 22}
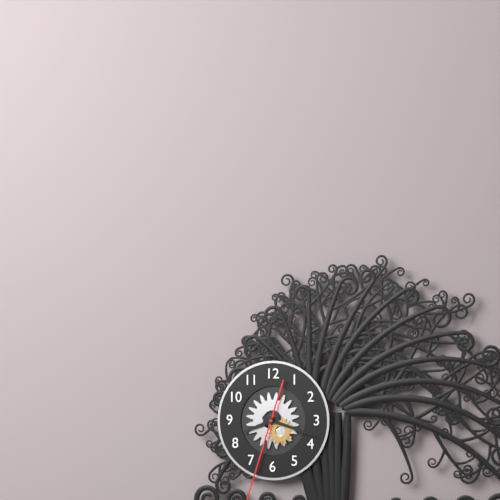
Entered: {"hour": 8, "minute": 18}
